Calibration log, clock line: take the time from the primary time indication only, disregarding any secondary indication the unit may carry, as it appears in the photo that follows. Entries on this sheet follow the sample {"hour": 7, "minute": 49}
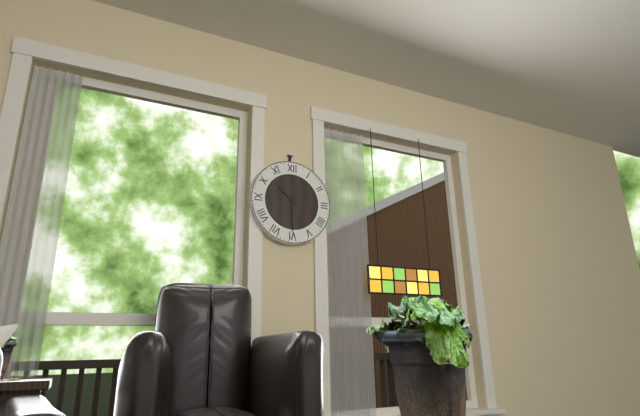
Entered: {"hour": 10, "minute": 30}
